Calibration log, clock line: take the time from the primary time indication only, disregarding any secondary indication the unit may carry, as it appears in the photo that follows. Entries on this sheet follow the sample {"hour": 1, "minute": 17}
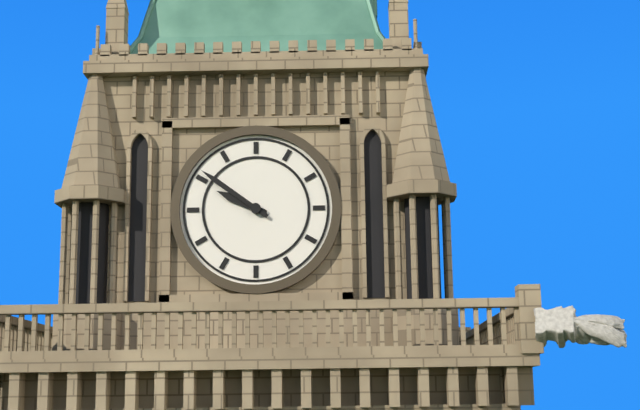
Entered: {"hour": 9, "minute": 51}
